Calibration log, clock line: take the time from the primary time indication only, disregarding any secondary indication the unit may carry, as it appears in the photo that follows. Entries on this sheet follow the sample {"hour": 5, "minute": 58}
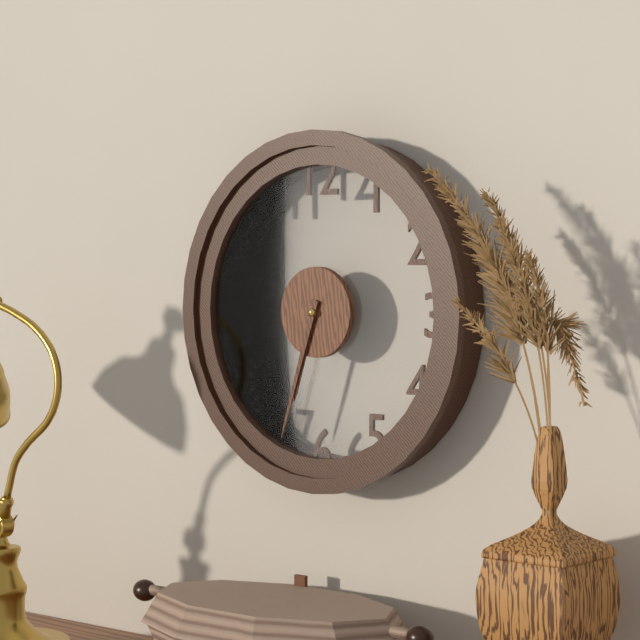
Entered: {"hour": 6, "minute": 33}
